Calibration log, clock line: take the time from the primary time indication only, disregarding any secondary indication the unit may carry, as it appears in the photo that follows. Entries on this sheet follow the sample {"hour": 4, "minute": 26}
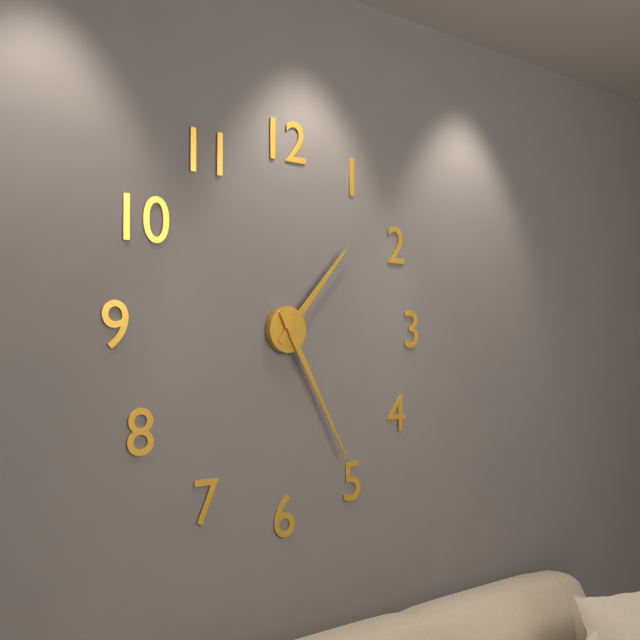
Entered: {"hour": 1, "minute": 25}
